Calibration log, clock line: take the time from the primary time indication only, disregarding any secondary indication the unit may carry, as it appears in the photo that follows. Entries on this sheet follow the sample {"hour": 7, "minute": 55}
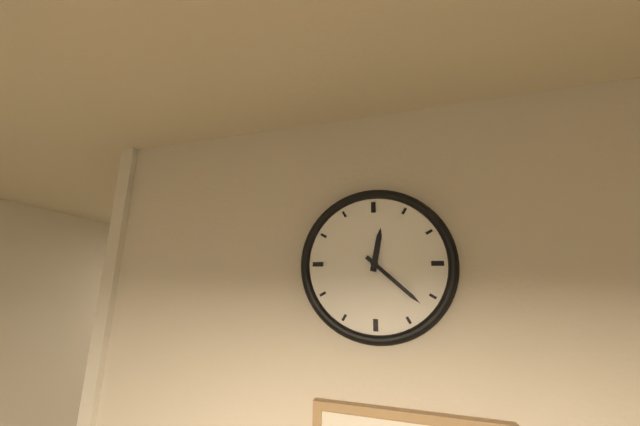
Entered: {"hour": 12, "minute": 22}
